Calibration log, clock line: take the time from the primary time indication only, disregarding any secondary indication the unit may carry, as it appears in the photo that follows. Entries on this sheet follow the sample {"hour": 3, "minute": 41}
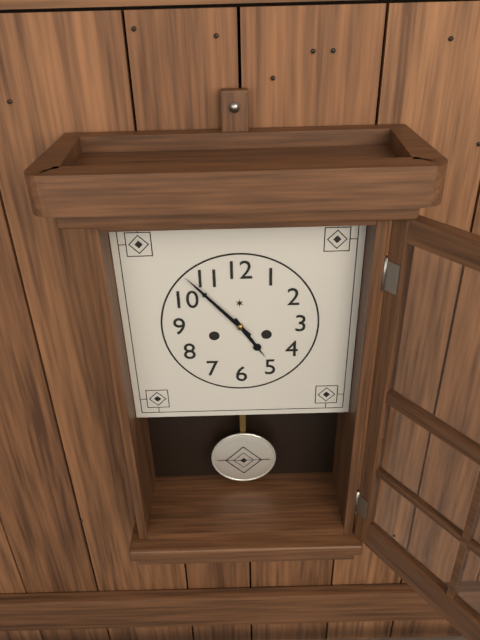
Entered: {"hour": 4, "minute": 53}
